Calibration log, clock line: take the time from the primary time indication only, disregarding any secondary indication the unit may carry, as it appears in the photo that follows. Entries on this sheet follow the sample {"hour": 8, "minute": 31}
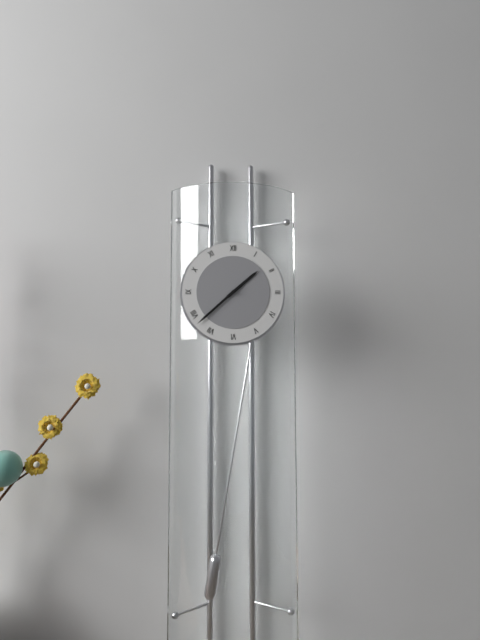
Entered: {"hour": 1, "minute": 38}
